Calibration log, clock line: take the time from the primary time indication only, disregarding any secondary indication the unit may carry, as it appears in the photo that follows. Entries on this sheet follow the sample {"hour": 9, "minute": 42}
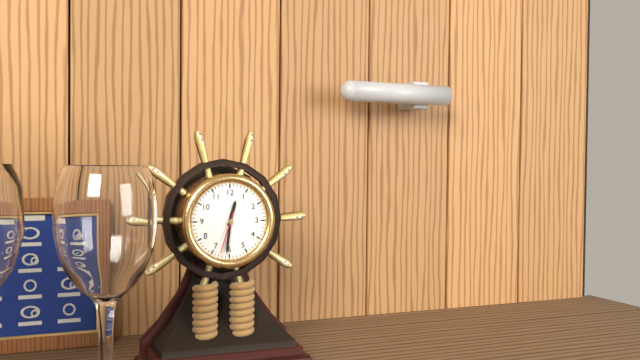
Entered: {"hour": 12, "minute": 31}
